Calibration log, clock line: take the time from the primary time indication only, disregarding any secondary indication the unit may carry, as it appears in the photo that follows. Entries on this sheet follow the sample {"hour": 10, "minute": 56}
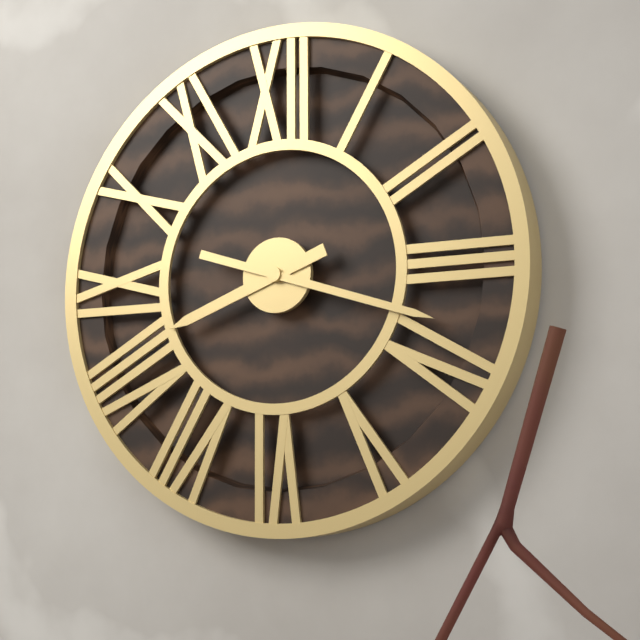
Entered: {"hour": 8, "minute": 18}
